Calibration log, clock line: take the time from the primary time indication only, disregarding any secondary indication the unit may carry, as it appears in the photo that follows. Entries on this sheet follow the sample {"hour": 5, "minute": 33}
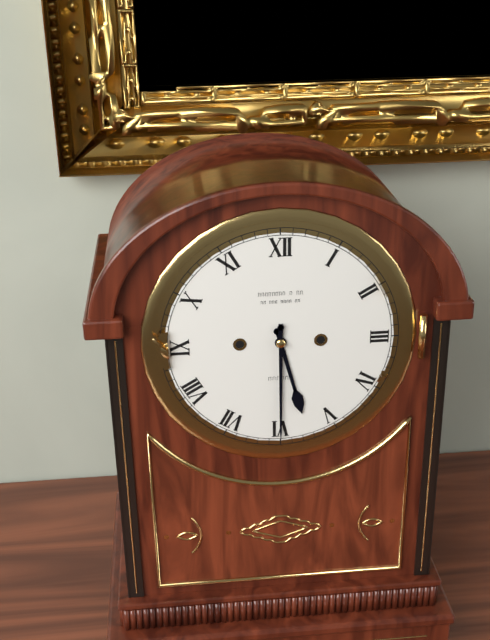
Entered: {"hour": 5, "minute": 30}
